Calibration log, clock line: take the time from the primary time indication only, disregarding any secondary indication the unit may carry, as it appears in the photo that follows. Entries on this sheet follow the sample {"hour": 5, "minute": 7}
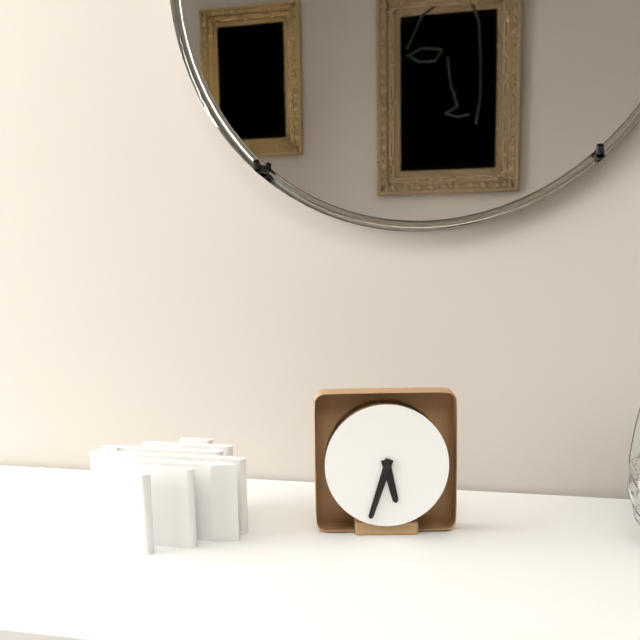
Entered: {"hour": 5, "minute": 33}
